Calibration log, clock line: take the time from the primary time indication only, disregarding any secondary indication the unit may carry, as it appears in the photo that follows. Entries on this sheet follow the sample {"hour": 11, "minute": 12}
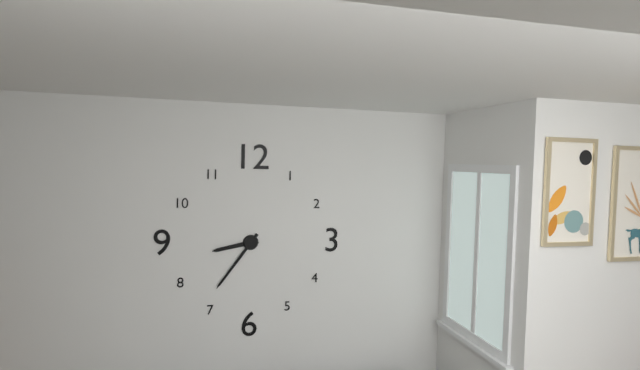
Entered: {"hour": 8, "minute": 36}
